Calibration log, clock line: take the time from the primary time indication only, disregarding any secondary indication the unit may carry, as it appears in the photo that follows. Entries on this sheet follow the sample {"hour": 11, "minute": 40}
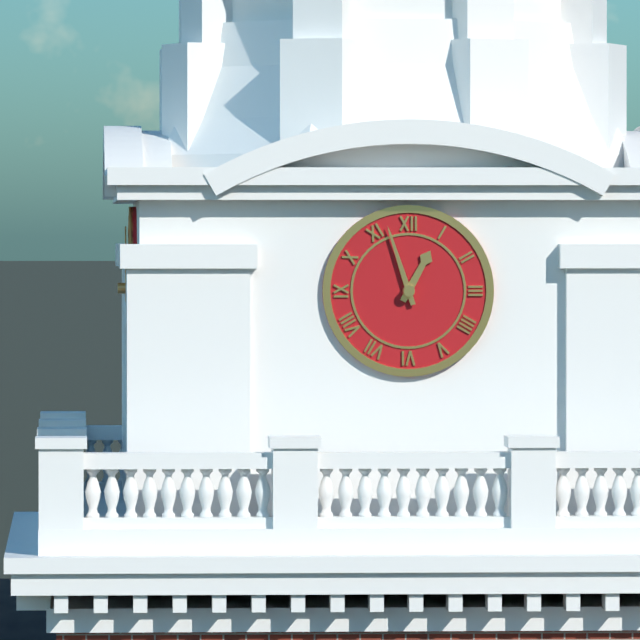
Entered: {"hour": 12, "minute": 57}
